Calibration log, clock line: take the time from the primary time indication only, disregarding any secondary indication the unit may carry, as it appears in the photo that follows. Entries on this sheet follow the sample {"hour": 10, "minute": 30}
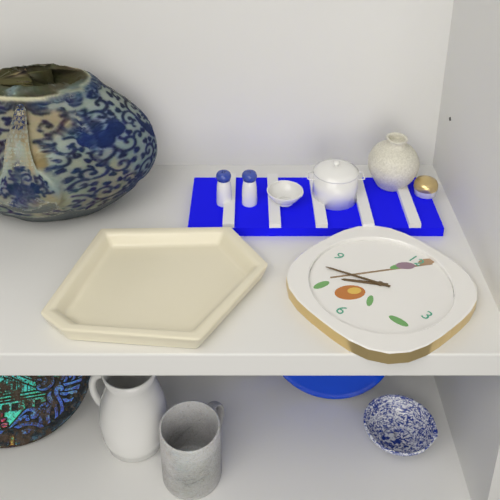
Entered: {"hour": 7, "minute": 41}
